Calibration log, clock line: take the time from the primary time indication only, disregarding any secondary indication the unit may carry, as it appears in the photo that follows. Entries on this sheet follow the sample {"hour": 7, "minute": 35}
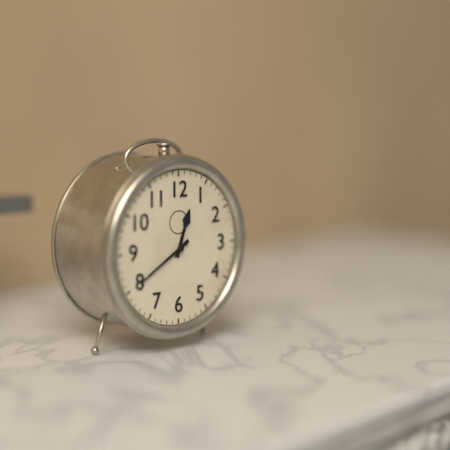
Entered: {"hour": 12, "minute": 40}
